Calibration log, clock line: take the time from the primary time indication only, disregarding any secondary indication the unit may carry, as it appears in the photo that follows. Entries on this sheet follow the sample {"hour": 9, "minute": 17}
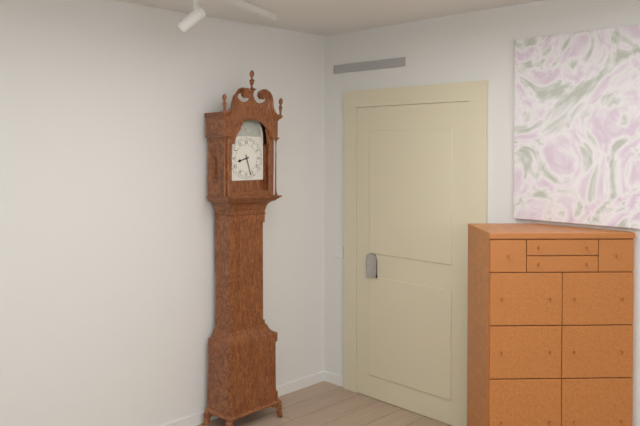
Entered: {"hour": 8, "minute": 27}
